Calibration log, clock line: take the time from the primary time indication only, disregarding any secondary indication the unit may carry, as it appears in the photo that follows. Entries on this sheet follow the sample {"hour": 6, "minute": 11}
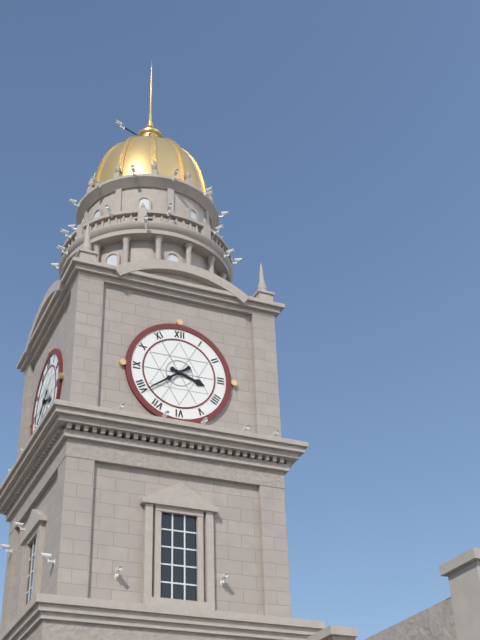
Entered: {"hour": 3, "minute": 39}
